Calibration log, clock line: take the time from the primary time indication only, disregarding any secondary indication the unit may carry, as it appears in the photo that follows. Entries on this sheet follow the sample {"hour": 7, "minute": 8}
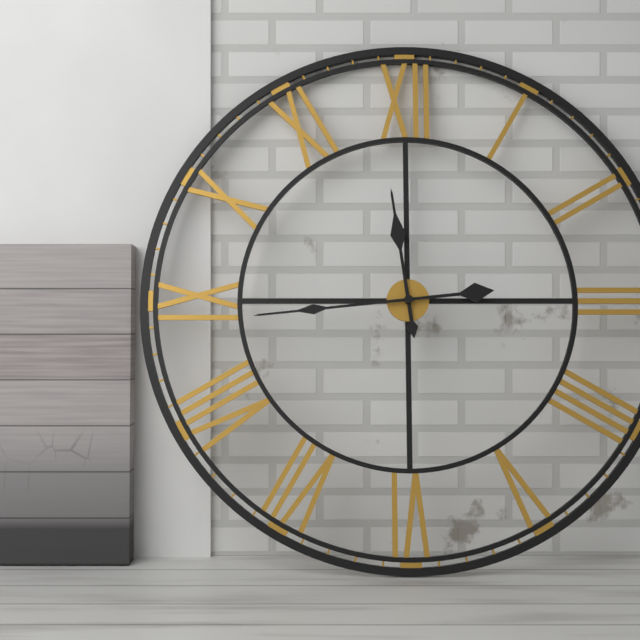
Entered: {"hour": 11, "minute": 44}
